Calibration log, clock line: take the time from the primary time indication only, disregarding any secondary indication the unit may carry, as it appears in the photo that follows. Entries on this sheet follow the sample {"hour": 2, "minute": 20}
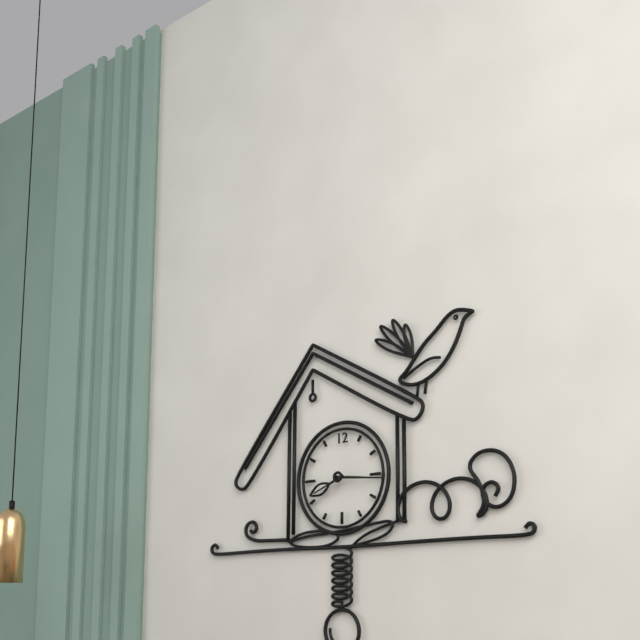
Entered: {"hour": 8, "minute": 16}
